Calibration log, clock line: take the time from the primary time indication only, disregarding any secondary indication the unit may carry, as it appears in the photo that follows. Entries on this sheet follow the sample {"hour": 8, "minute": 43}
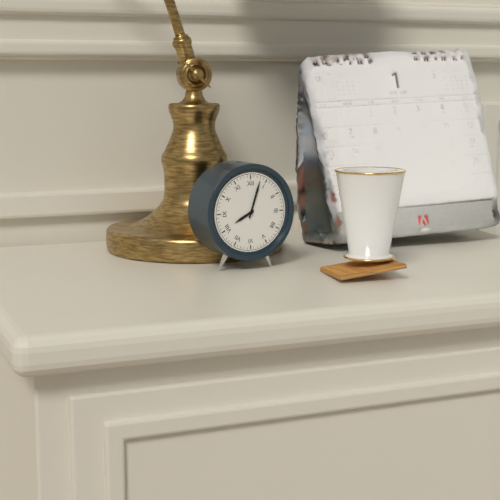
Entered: {"hour": 8, "minute": 3}
